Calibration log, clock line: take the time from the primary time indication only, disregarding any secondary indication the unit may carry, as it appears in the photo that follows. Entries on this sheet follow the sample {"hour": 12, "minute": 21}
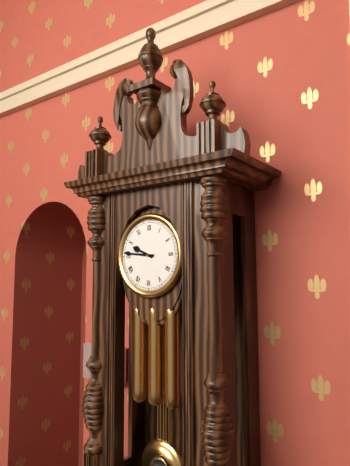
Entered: {"hour": 9, "minute": 46}
